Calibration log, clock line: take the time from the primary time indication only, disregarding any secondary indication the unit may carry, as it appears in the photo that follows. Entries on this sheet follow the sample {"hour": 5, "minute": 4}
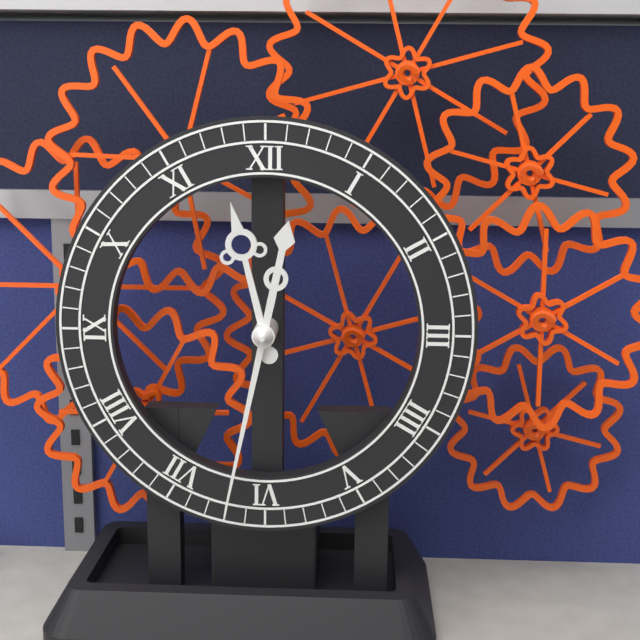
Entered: {"hour": 11, "minute": 32}
